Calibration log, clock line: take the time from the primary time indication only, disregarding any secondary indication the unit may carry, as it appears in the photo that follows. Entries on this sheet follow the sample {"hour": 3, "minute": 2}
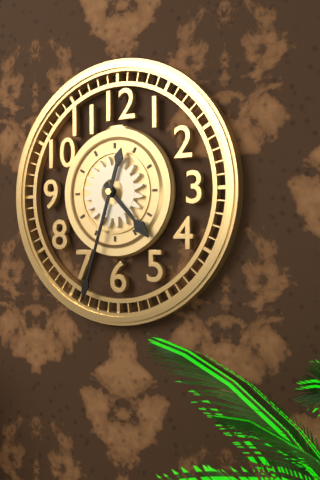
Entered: {"hour": 4, "minute": 33}
